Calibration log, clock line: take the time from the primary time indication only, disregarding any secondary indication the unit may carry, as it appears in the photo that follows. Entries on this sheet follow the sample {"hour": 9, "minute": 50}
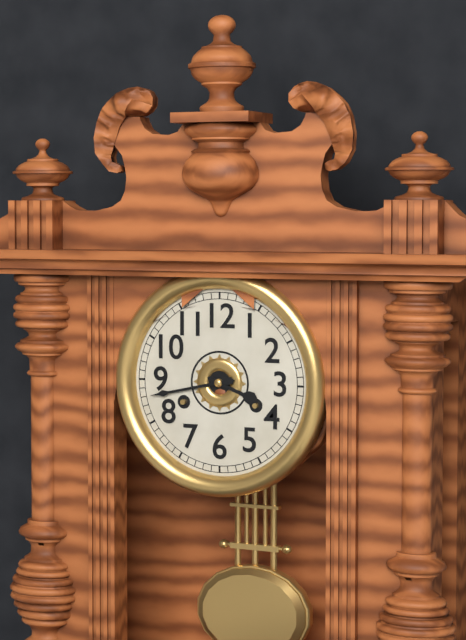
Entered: {"hour": 3, "minute": 43}
